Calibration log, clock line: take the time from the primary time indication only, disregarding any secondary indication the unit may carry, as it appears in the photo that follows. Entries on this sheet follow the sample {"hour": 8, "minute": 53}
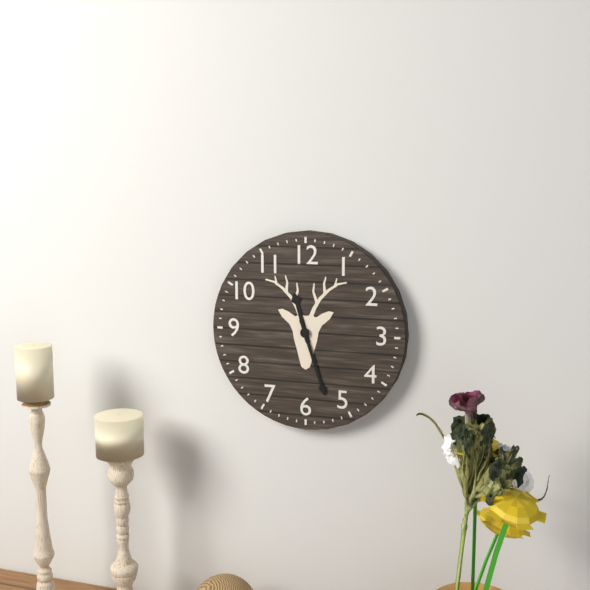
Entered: {"hour": 11, "minute": 27}
